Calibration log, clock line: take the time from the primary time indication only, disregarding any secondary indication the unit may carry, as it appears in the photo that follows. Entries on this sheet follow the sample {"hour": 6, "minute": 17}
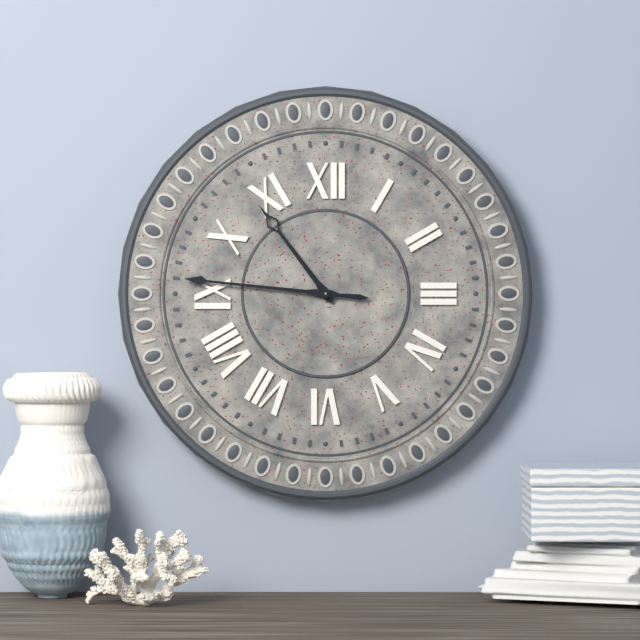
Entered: {"hour": 10, "minute": 46}
